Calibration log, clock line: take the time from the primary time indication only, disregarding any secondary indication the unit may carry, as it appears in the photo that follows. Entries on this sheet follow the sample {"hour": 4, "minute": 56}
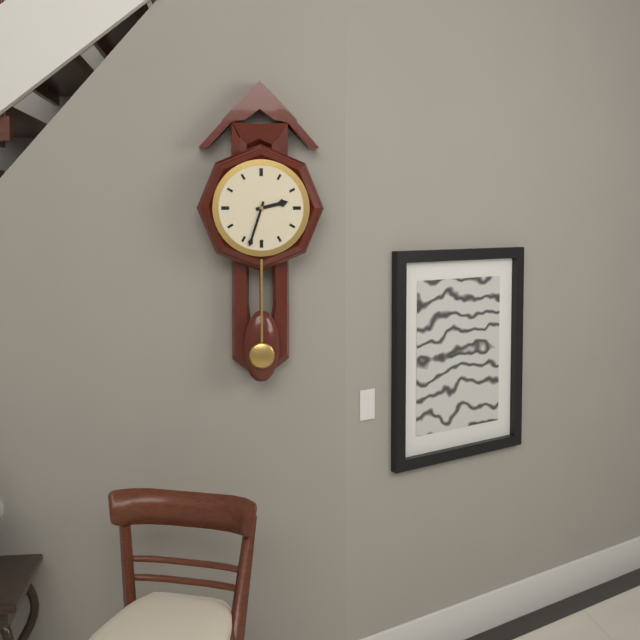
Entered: {"hour": 2, "minute": 33}
